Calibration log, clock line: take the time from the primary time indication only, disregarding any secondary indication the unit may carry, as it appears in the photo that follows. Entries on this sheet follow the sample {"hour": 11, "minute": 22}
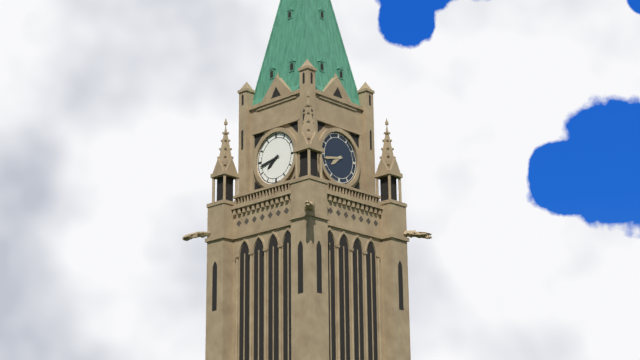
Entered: {"hour": 7, "minute": 43}
